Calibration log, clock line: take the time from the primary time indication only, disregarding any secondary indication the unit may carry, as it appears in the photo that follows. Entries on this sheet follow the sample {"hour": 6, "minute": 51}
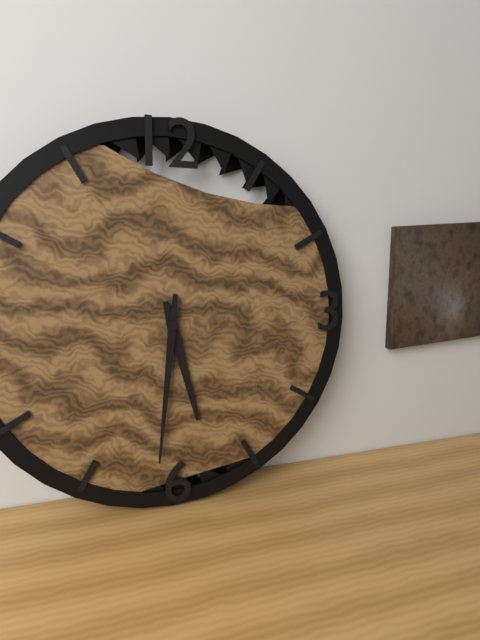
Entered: {"hour": 5, "minute": 31}
